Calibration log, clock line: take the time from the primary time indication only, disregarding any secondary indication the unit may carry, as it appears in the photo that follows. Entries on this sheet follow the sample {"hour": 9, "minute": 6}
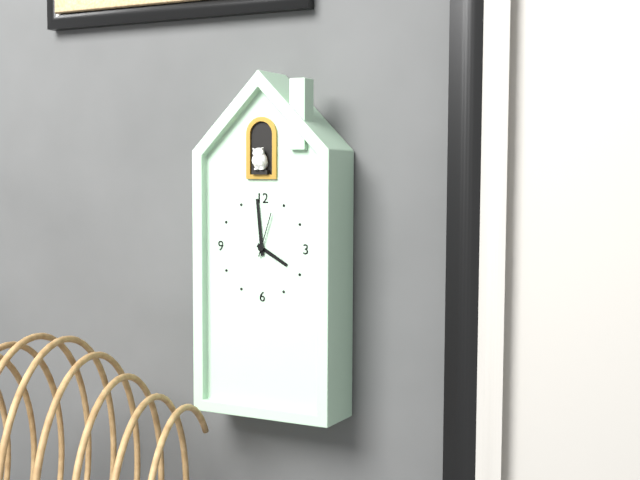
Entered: {"hour": 3, "minute": 59}
